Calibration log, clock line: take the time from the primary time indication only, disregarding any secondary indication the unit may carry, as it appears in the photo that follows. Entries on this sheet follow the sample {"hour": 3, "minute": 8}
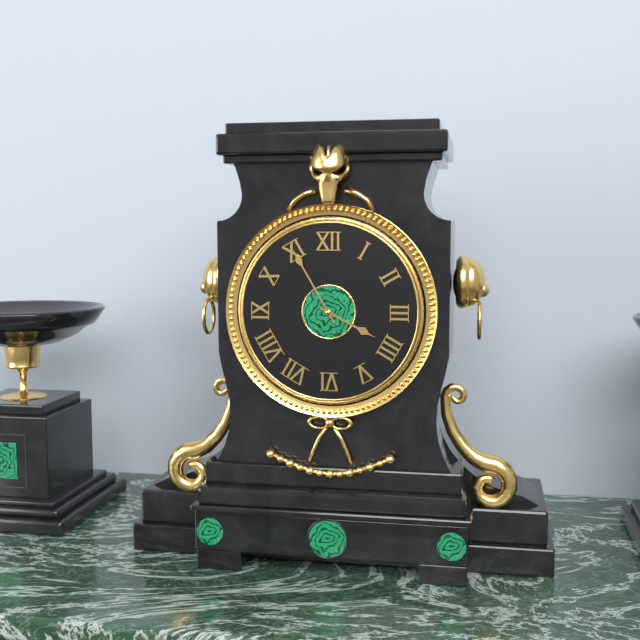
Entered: {"hour": 3, "minute": 55}
